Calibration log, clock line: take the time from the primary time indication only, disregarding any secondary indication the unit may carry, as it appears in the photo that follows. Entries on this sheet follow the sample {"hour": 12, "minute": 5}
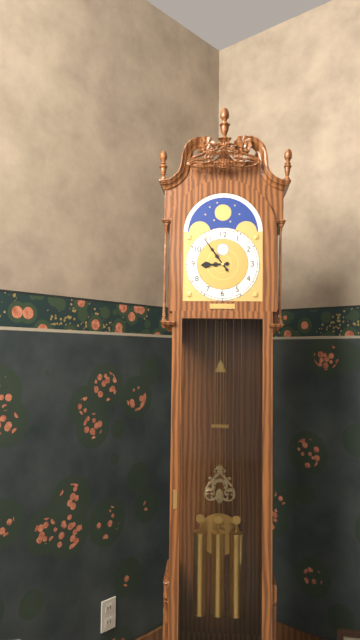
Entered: {"hour": 8, "minute": 54}
